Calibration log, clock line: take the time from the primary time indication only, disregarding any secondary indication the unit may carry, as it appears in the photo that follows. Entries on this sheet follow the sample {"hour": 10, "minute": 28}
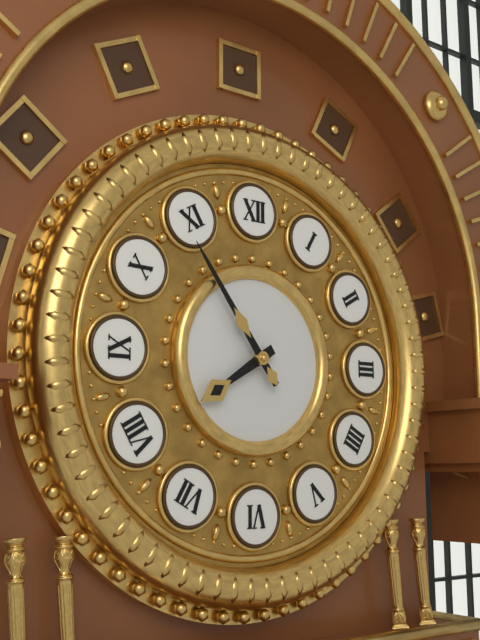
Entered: {"hour": 7, "minute": 54}
